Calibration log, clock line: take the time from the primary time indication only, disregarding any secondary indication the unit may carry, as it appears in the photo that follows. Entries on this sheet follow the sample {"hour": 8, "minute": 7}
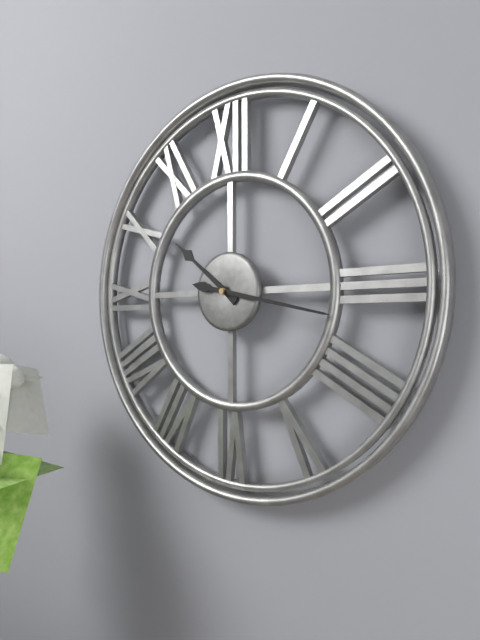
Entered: {"hour": 10, "minute": 17}
